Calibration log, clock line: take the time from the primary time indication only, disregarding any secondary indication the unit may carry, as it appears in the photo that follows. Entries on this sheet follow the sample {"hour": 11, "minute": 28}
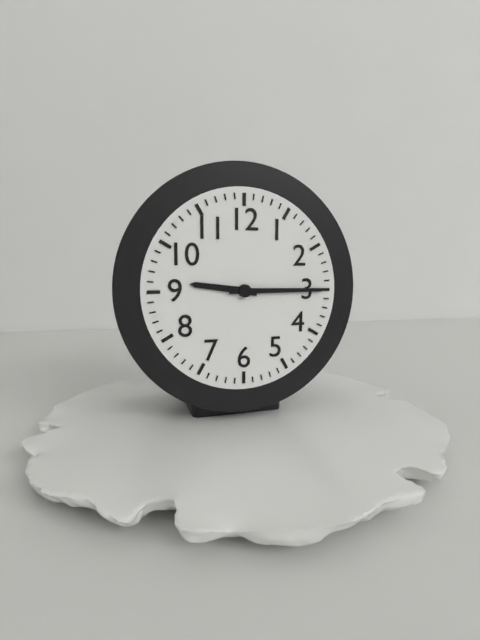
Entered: {"hour": 9, "minute": 15}
